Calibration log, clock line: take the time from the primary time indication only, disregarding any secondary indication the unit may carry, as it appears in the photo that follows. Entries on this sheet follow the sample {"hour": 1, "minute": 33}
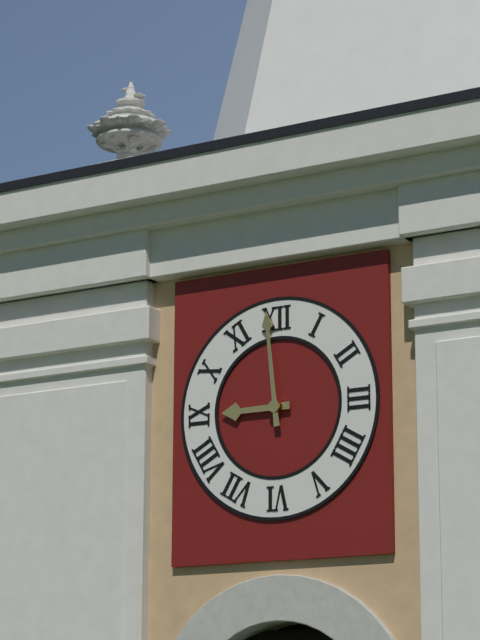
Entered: {"hour": 8, "minute": 59}
